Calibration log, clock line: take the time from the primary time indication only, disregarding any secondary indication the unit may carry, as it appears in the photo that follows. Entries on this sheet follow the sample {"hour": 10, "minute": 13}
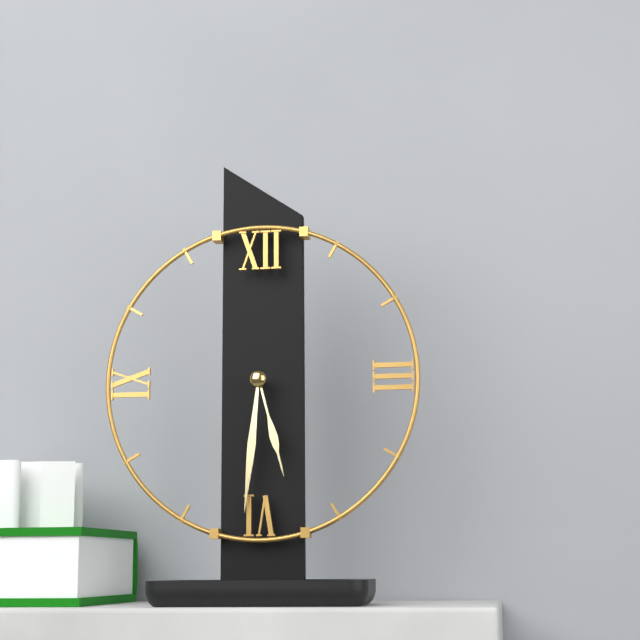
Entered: {"hour": 5, "minute": 31}
